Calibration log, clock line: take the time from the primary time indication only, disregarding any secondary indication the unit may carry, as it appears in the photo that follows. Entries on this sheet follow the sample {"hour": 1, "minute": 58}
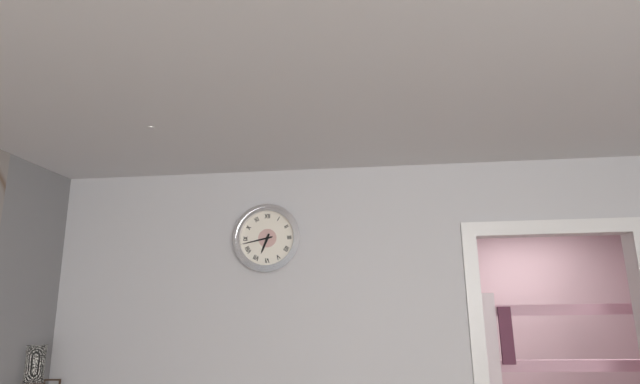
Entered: {"hour": 6, "minute": 43}
